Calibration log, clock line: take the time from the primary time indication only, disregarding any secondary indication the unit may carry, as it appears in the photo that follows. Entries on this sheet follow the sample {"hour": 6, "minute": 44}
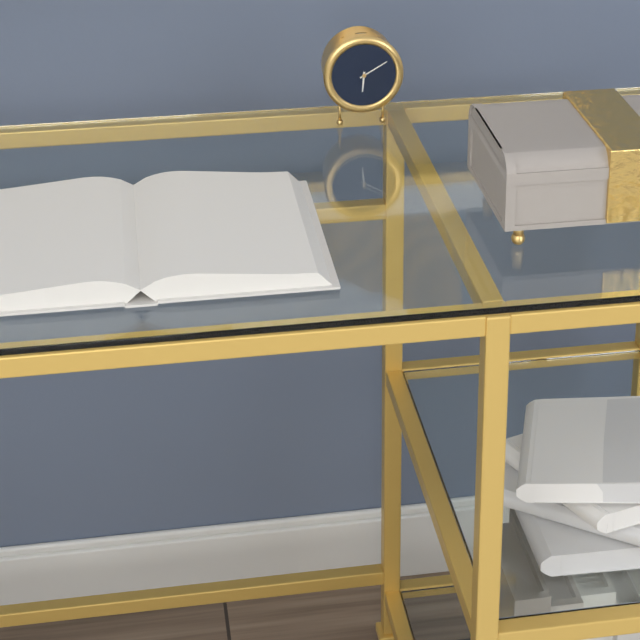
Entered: {"hour": 6, "minute": 10}
